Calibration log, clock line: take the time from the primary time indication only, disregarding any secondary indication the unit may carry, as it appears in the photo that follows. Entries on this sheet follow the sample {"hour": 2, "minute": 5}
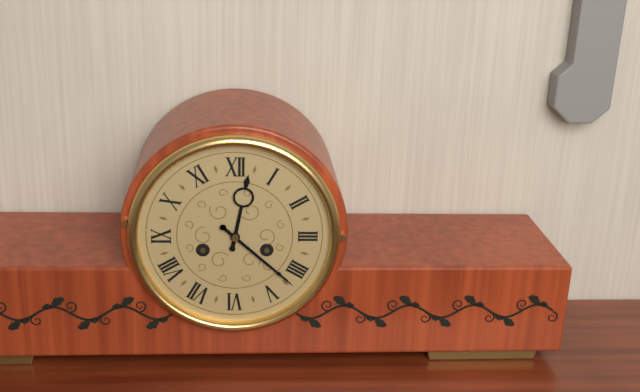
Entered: {"hour": 12, "minute": 22}
